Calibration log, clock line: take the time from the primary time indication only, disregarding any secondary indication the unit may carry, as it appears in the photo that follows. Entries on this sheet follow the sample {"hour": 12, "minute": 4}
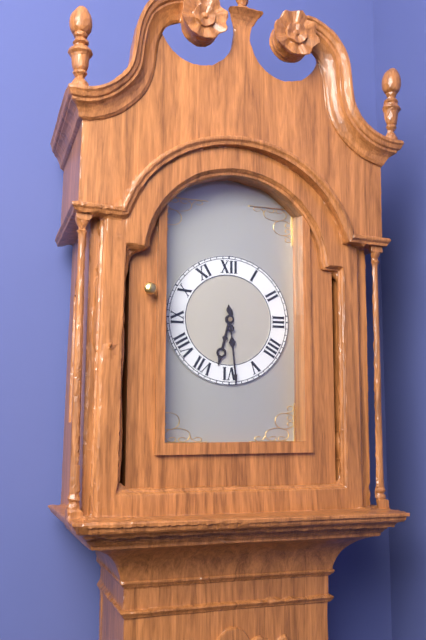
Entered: {"hour": 6, "minute": 29}
